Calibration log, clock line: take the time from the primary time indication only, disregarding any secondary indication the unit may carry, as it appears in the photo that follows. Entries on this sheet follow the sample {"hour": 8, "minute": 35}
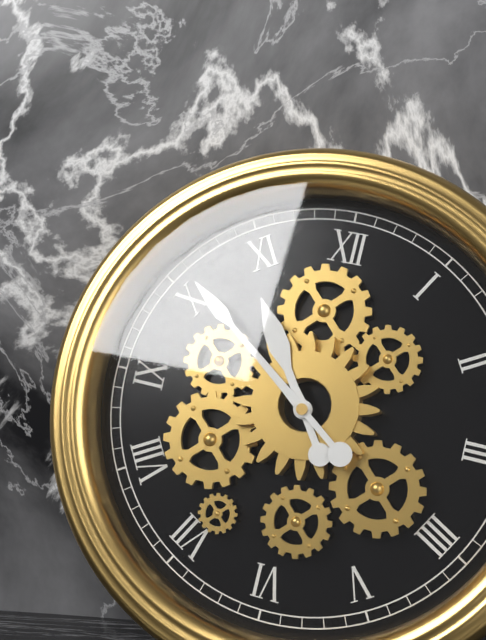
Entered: {"hour": 10, "minute": 51}
